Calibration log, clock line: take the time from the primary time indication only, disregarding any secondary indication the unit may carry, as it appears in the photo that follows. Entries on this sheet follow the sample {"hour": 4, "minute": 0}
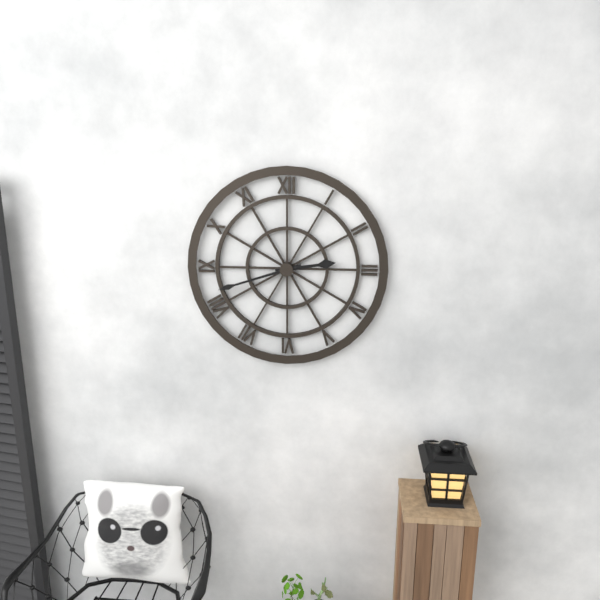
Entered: {"hour": 2, "minute": 42}
